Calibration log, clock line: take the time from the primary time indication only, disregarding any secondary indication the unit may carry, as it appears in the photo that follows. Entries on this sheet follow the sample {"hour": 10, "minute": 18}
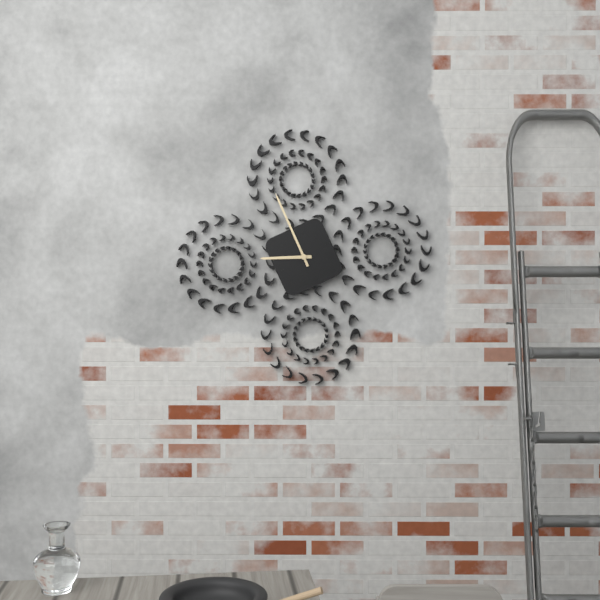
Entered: {"hour": 8, "minute": 56}
